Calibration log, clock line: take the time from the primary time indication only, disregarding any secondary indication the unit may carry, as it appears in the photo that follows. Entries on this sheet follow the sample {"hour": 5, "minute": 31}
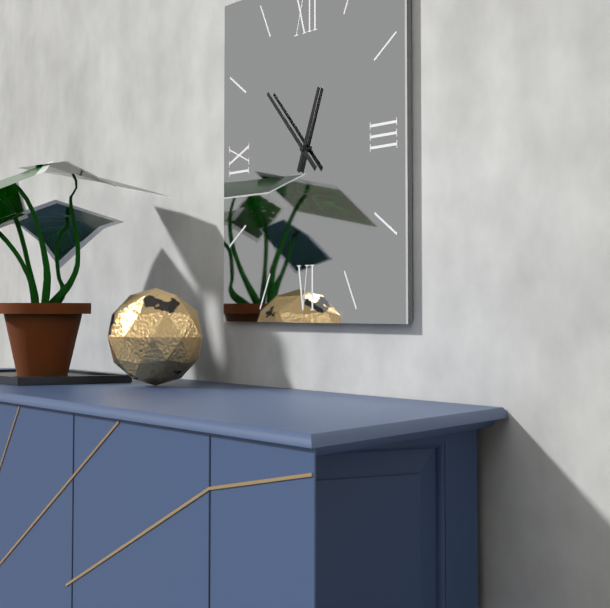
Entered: {"hour": 12, "minute": 52}
